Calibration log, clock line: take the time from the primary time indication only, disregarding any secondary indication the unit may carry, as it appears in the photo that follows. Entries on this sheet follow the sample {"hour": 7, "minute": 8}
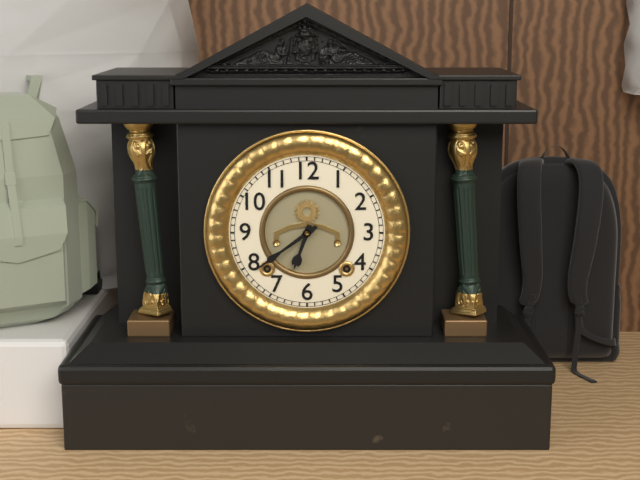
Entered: {"hour": 6, "minute": 39}
